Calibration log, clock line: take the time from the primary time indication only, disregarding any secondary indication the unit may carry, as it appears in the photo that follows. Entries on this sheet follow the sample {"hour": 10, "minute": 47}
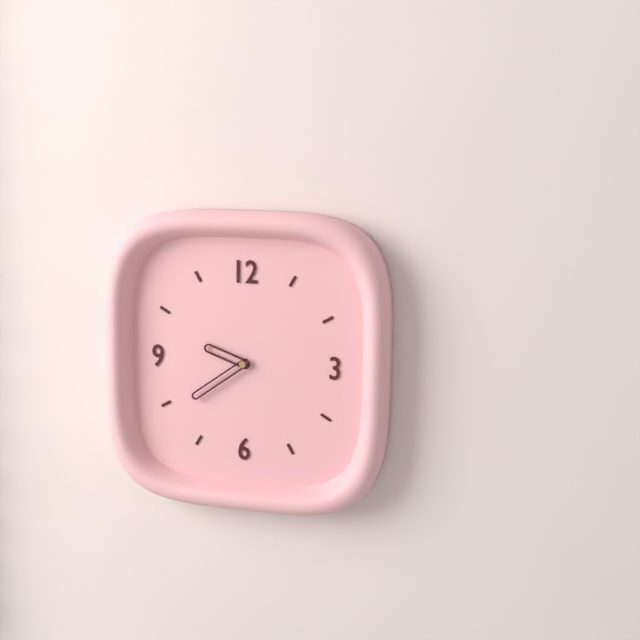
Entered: {"hour": 9, "minute": 39}
